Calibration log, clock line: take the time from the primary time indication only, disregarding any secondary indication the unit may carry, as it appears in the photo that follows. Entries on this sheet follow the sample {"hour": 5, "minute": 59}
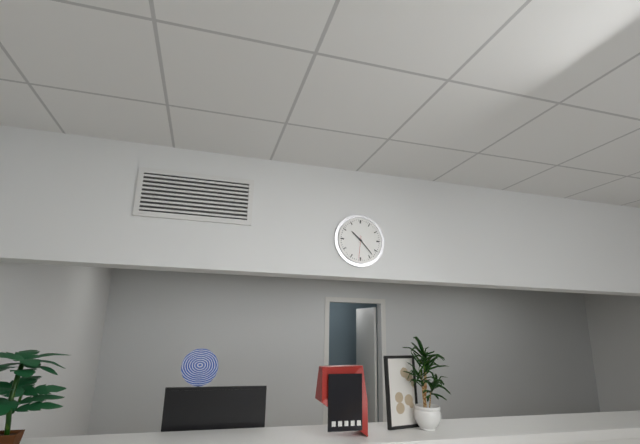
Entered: {"hour": 10, "minute": 23}
